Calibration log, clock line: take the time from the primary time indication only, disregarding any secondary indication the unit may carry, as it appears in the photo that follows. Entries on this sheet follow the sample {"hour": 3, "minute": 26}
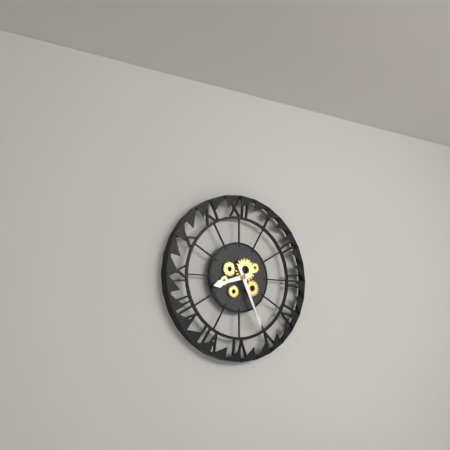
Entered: {"hour": 8, "minute": 26}
